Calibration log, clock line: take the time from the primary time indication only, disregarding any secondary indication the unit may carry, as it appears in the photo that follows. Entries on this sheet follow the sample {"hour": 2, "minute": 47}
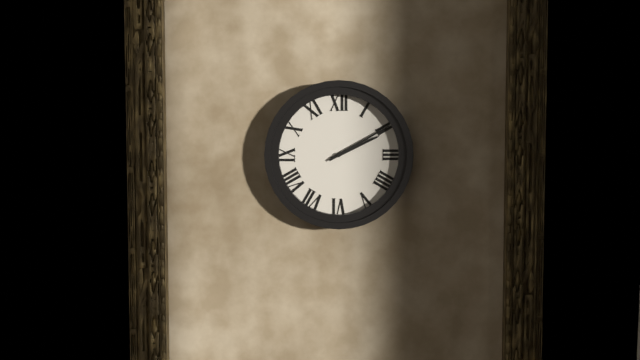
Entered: {"hour": 2, "minute": 10}
